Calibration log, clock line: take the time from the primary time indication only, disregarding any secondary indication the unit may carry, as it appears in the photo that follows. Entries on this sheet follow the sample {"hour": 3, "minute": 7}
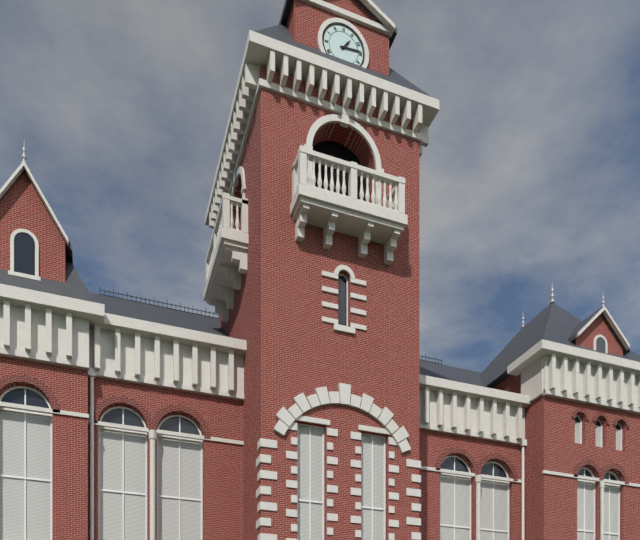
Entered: {"hour": 1, "minute": 14}
